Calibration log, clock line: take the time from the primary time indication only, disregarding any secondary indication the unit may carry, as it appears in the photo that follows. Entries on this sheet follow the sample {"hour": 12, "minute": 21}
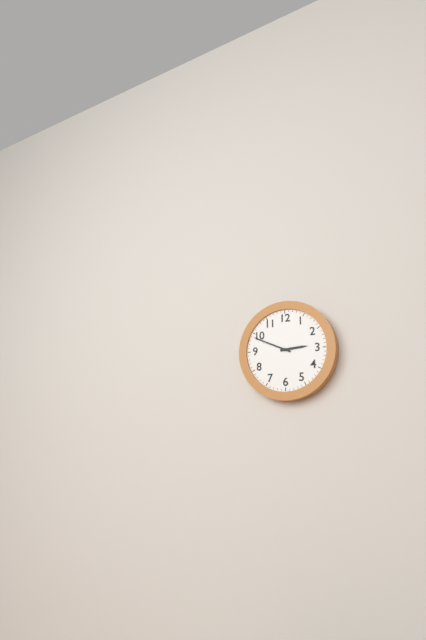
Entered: {"hour": 2, "minute": 49}
